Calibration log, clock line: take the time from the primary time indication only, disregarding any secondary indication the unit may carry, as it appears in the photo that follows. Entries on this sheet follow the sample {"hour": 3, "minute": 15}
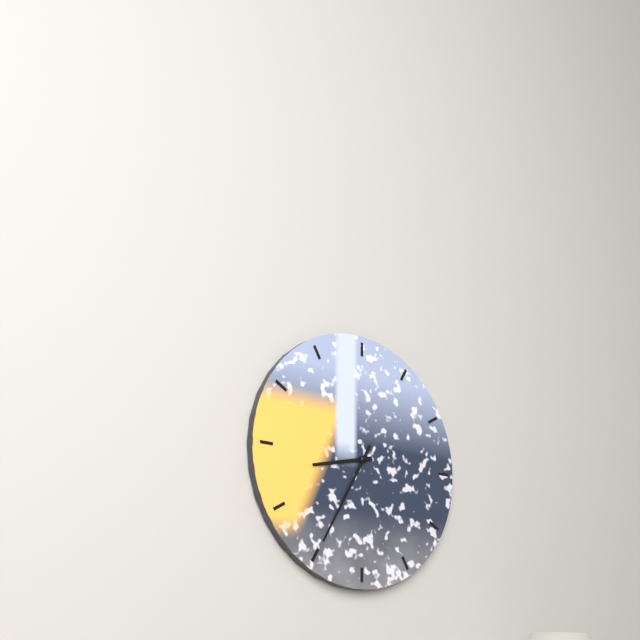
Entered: {"hour": 8, "minute": 35}
